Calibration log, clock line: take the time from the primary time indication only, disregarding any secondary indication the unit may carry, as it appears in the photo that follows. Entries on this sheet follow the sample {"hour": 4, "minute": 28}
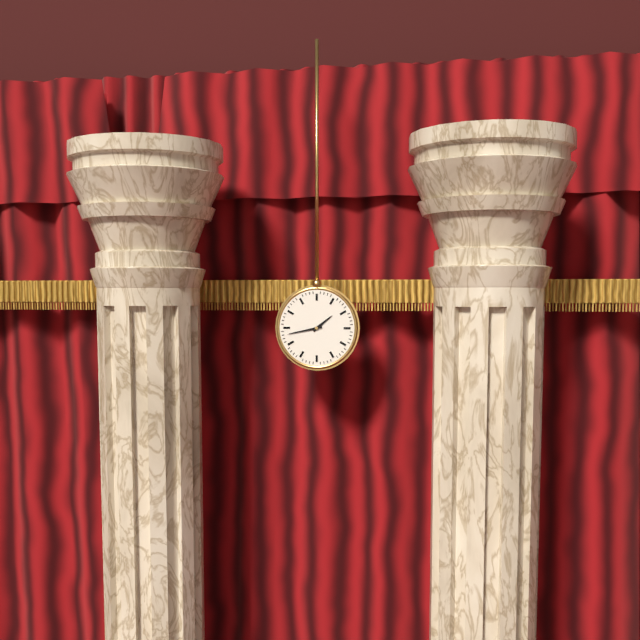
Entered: {"hour": 1, "minute": 43}
